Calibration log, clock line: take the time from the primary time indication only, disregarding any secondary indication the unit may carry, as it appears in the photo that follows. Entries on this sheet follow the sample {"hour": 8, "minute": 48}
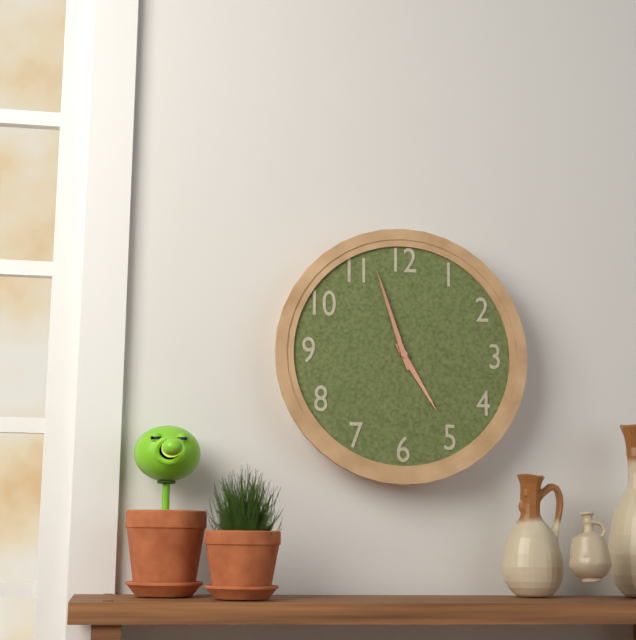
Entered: {"hour": 4, "minute": 57}
